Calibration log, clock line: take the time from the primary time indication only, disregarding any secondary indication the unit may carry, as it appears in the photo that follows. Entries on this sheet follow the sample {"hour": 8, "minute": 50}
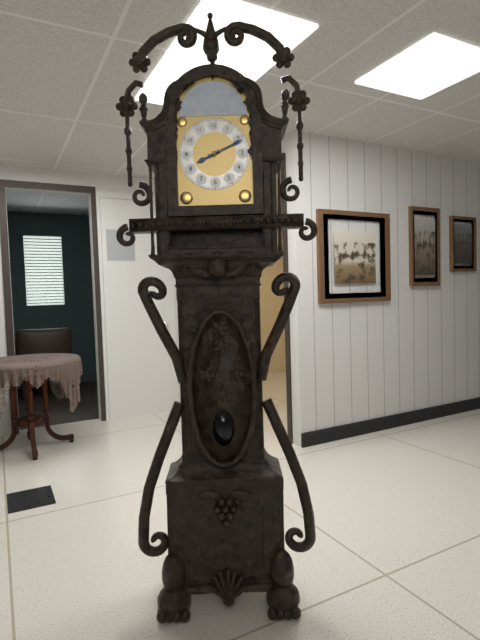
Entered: {"hour": 8, "minute": 11}
